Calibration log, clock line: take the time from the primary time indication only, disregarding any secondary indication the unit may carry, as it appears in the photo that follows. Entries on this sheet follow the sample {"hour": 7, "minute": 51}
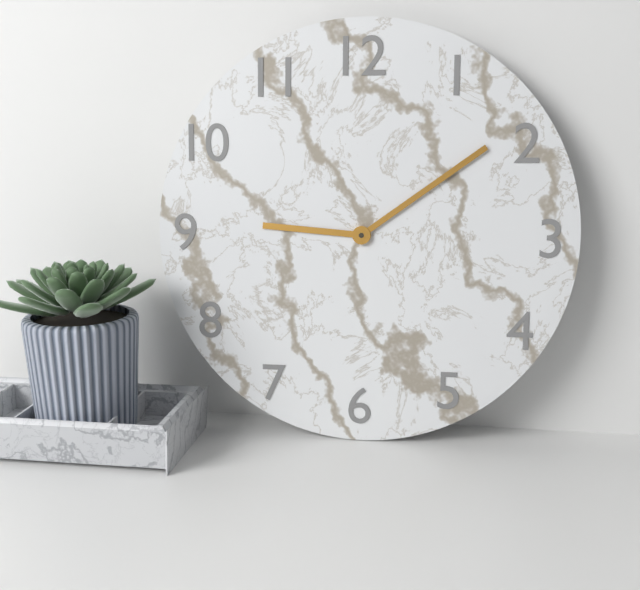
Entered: {"hour": 9, "minute": 9}
